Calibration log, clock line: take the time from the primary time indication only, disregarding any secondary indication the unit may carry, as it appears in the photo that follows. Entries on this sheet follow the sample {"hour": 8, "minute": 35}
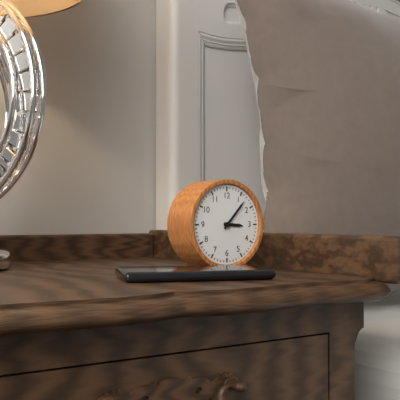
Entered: {"hour": 3, "minute": 7}
